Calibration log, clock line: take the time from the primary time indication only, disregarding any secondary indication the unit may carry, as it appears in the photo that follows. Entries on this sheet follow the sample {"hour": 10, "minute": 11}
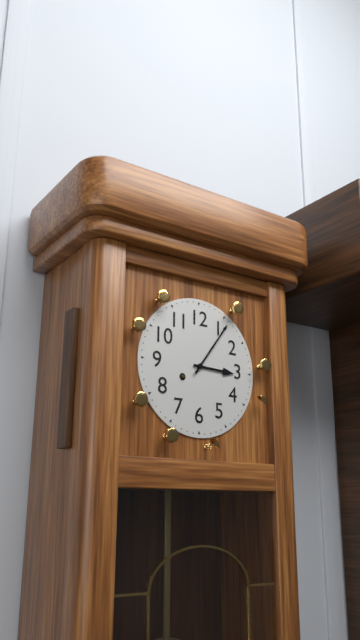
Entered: {"hour": 3, "minute": 6}
